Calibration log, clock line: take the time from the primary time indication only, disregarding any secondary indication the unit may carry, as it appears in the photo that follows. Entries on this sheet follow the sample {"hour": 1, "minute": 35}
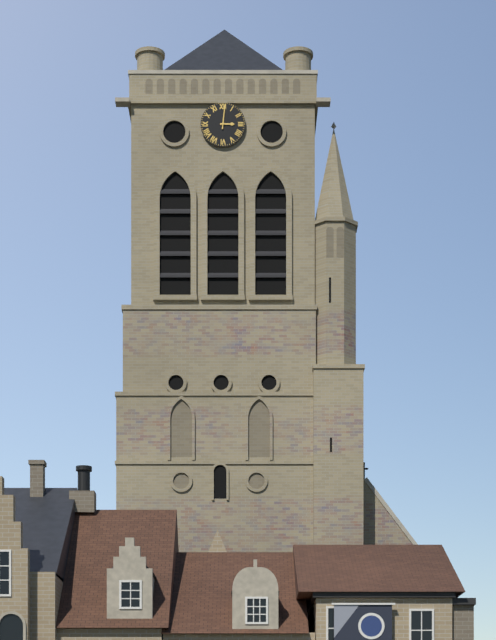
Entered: {"hour": 3, "minute": 1}
